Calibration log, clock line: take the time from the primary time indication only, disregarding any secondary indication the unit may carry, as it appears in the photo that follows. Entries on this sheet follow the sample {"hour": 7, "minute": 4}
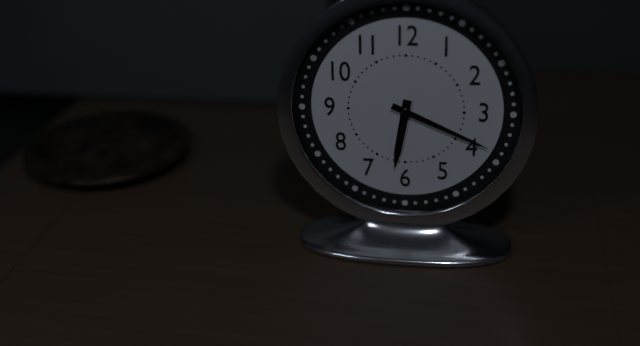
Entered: {"hour": 6, "minute": 19}
